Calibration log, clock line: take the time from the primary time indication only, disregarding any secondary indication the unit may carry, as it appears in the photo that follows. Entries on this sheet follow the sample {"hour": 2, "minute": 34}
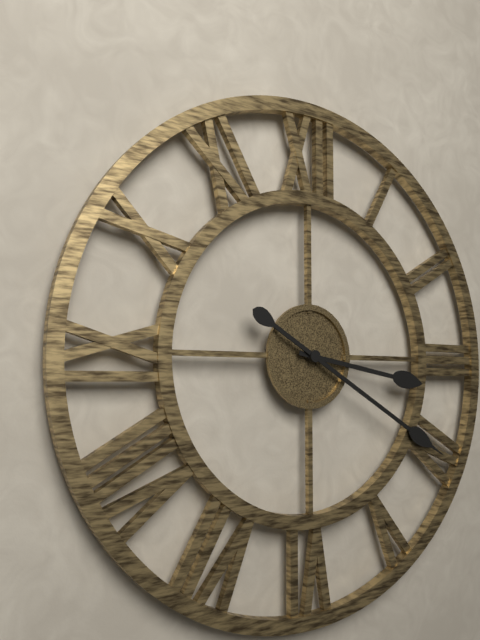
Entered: {"hour": 3, "minute": 20}
